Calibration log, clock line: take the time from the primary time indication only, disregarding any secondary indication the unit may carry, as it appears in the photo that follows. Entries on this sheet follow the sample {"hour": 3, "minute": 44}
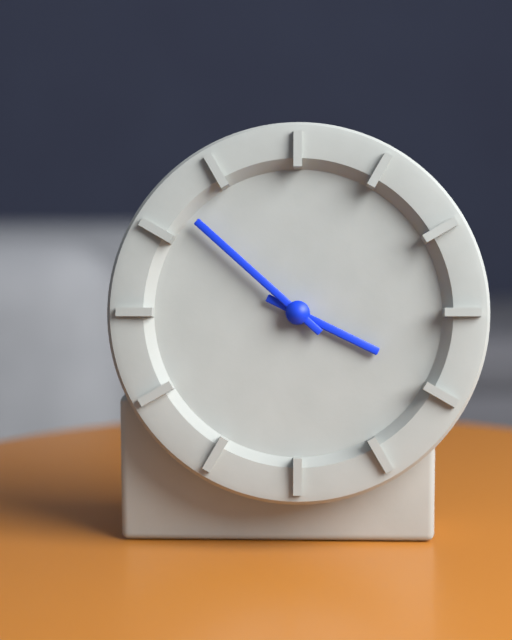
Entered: {"hour": 3, "minute": 52}
